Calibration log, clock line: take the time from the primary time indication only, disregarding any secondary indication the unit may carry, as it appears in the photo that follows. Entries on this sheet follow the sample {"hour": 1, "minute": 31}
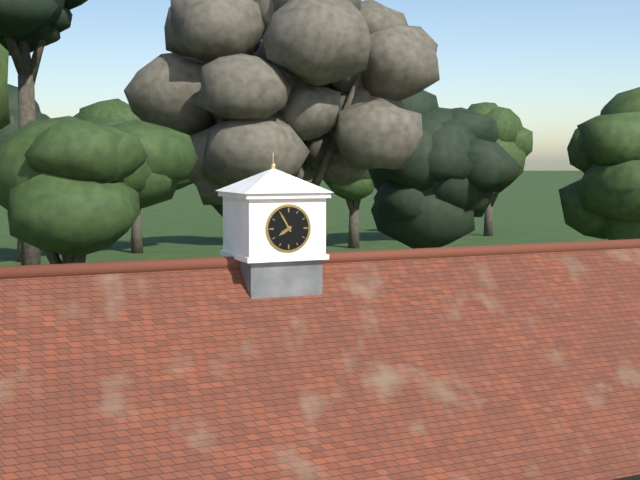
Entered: {"hour": 7, "minute": 55}
